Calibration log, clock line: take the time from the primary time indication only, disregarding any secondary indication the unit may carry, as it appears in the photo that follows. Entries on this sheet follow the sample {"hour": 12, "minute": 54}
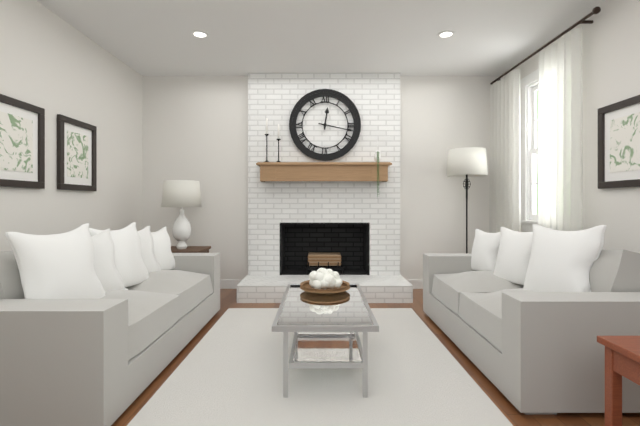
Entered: {"hour": 12, "minute": 17}
